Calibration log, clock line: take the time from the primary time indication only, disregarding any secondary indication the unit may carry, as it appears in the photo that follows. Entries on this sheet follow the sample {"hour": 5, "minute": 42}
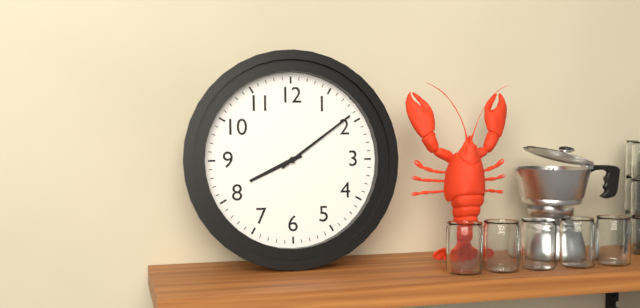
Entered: {"hour": 8, "minute": 9}
